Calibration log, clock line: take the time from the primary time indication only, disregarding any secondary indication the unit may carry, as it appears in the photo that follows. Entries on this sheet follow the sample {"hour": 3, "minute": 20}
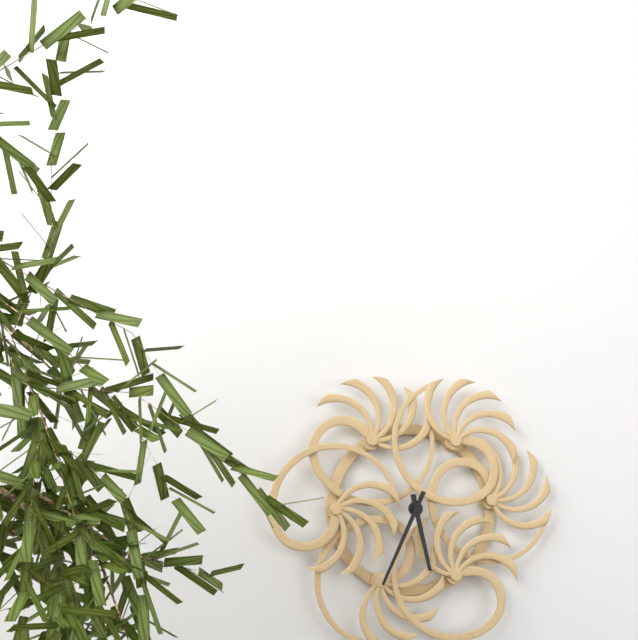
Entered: {"hour": 5, "minute": 34}
